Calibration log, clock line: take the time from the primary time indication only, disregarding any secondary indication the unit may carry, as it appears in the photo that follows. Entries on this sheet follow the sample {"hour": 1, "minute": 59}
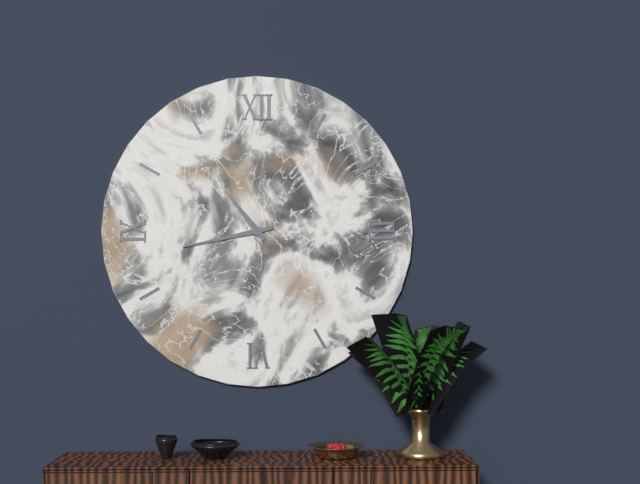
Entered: {"hour": 10, "minute": 43}
